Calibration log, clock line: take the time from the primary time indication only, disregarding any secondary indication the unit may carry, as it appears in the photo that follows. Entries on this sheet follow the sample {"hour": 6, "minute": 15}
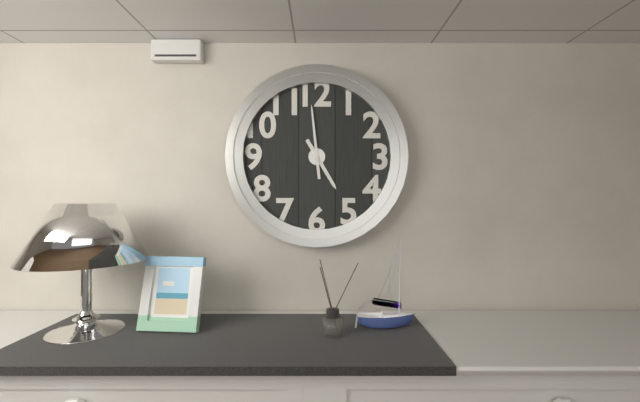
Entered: {"hour": 4, "minute": 59}
